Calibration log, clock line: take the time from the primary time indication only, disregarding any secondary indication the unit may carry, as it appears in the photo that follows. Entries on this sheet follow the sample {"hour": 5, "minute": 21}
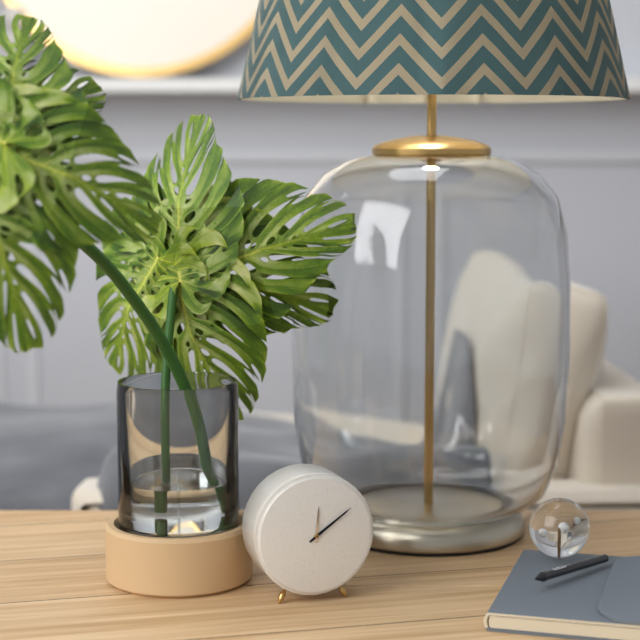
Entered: {"hour": 12, "minute": 9}
